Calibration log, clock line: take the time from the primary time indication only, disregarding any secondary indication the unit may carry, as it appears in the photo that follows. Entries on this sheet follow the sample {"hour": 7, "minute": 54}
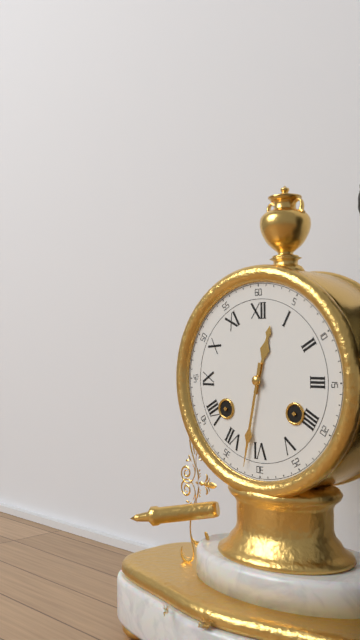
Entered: {"hour": 12, "minute": 32}
